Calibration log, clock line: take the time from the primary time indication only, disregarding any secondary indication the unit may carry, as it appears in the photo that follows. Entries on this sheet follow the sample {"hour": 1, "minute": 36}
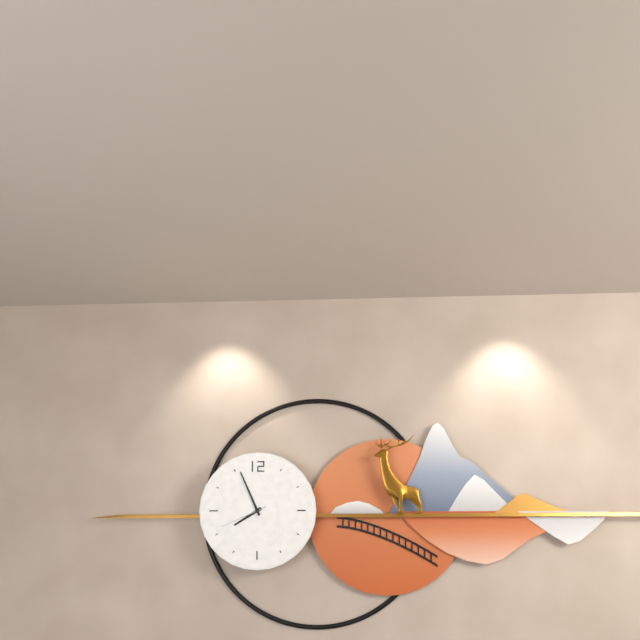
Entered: {"hour": 7, "minute": 56}
